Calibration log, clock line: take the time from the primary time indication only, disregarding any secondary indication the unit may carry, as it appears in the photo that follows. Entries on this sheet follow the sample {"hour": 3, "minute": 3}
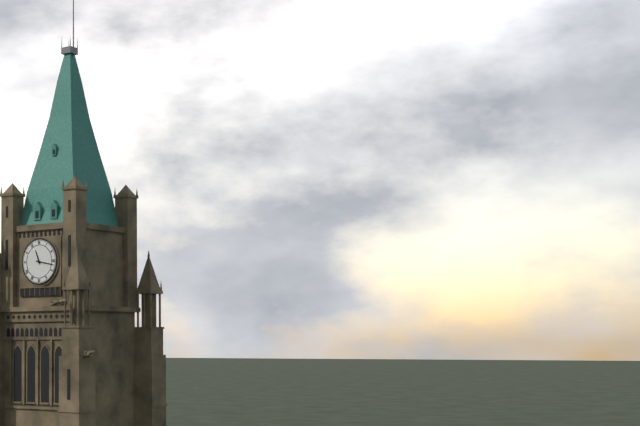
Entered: {"hour": 11, "minute": 17}
